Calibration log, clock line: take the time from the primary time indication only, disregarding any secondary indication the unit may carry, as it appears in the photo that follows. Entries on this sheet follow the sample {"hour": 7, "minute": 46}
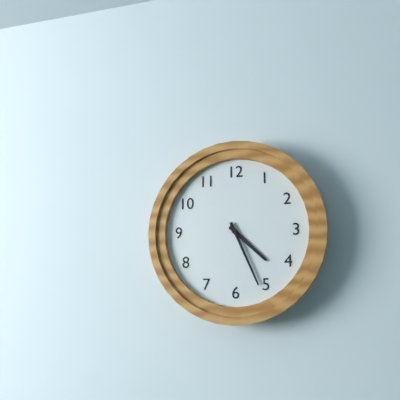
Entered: {"hour": 4, "minute": 26}
